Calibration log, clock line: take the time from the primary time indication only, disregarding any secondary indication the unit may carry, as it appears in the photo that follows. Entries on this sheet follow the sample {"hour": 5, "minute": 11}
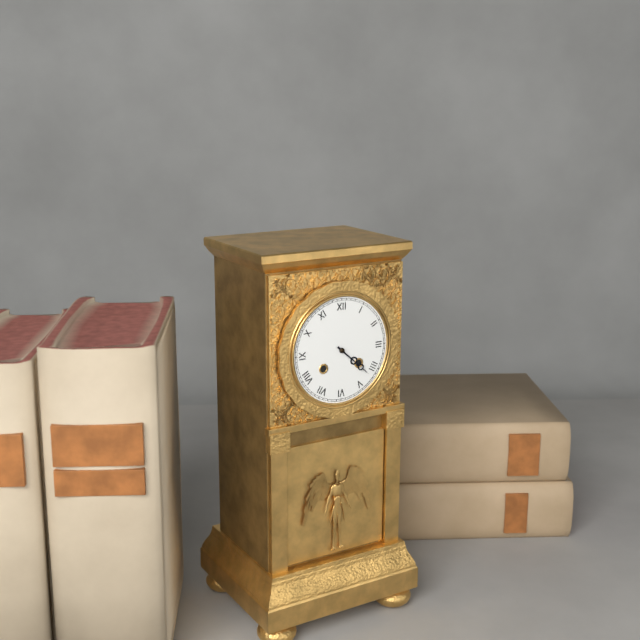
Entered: {"hour": 4, "minute": 22}
